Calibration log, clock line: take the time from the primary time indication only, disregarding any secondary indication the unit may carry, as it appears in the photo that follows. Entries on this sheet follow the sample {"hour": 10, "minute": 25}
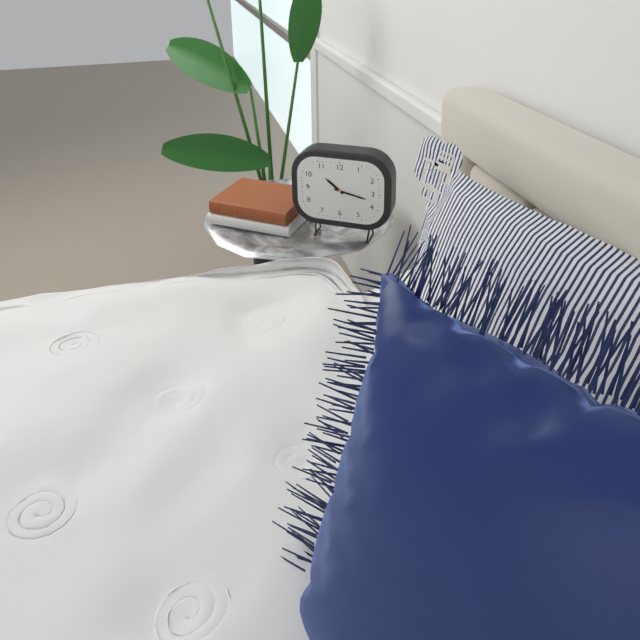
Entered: {"hour": 10, "minute": 17}
